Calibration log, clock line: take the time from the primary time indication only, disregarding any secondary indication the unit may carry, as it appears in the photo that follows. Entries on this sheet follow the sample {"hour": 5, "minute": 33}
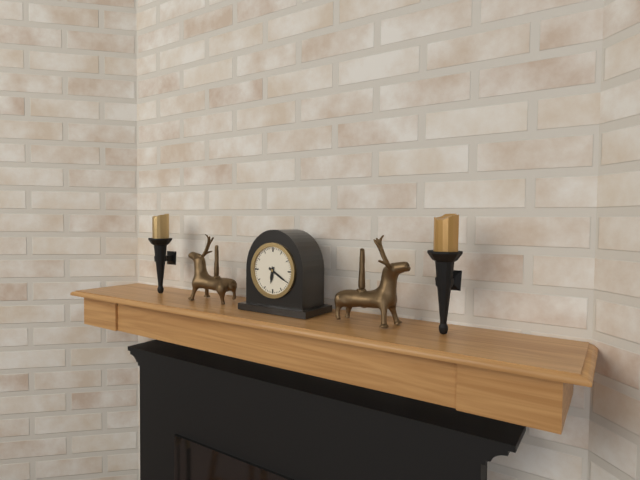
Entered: {"hour": 6, "minute": 20}
